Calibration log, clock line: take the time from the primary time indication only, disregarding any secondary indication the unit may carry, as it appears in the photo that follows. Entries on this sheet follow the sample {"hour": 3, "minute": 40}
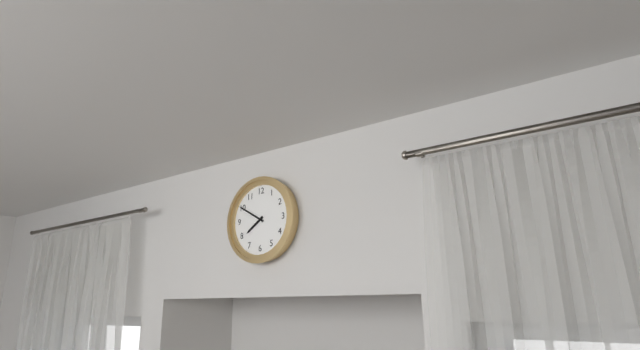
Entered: {"hour": 7, "minute": 50}
